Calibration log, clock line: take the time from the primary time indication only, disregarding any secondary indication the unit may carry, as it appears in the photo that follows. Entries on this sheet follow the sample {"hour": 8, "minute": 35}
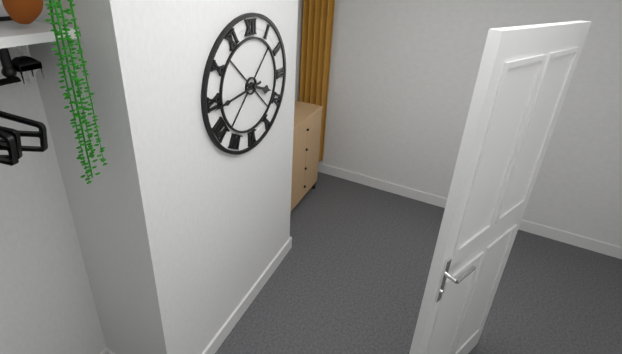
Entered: {"hour": 3, "minute": 44}
